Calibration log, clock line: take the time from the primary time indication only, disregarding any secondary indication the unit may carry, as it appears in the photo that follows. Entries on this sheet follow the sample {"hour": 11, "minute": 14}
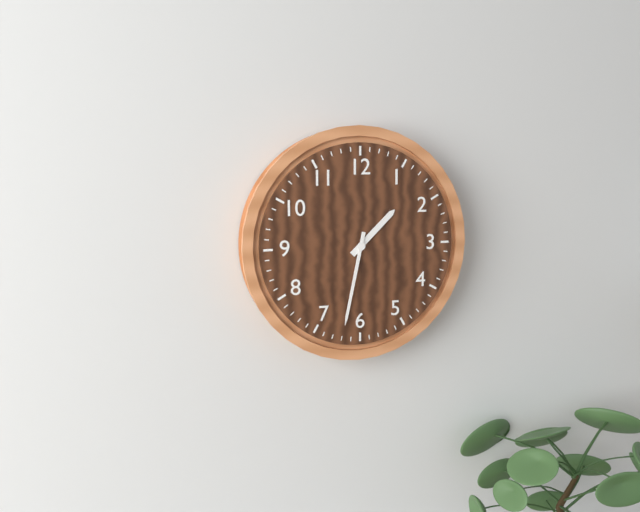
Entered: {"hour": 1, "minute": 32}
